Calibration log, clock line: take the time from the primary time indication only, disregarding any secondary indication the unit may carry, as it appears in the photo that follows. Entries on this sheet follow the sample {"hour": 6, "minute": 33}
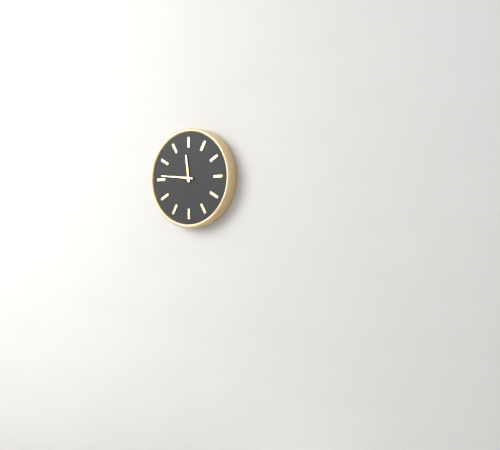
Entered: {"hour": 11, "minute": 46}
